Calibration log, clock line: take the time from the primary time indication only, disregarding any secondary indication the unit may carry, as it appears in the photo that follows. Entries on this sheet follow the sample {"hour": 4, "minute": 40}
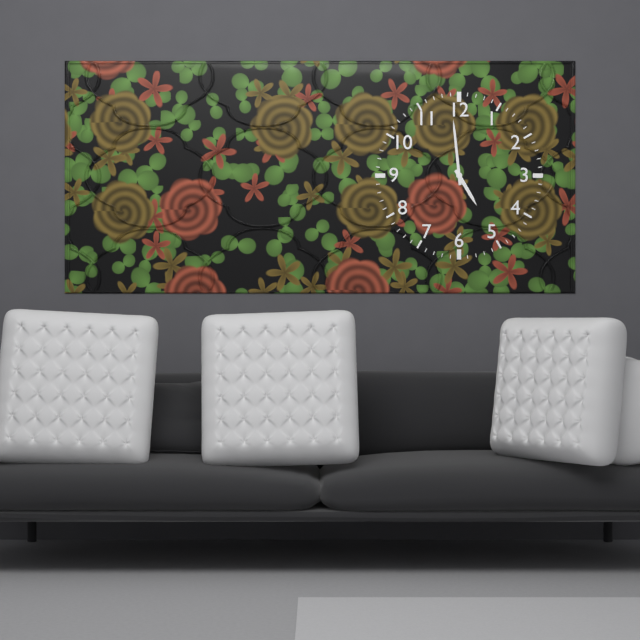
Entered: {"hour": 4, "minute": 59}
